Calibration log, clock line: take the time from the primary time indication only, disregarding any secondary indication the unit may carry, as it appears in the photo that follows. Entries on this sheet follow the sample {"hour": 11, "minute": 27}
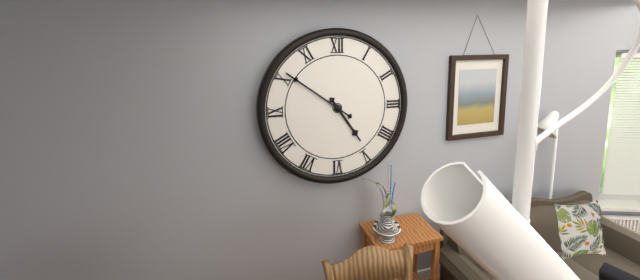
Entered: {"hour": 4, "minute": 51}
